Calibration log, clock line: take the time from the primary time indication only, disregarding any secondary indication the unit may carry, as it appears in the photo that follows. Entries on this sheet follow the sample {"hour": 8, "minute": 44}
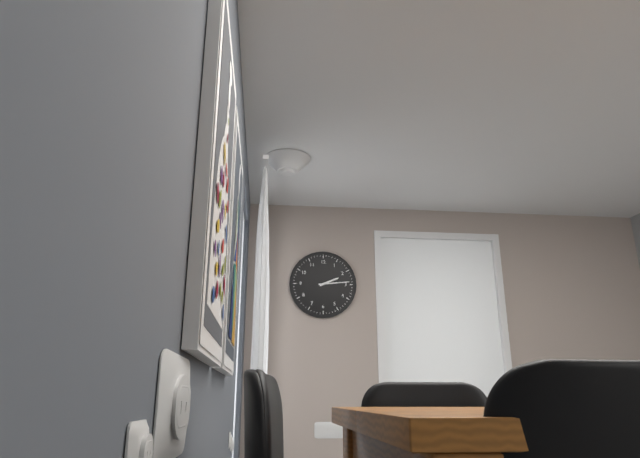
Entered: {"hour": 2, "minute": 14}
